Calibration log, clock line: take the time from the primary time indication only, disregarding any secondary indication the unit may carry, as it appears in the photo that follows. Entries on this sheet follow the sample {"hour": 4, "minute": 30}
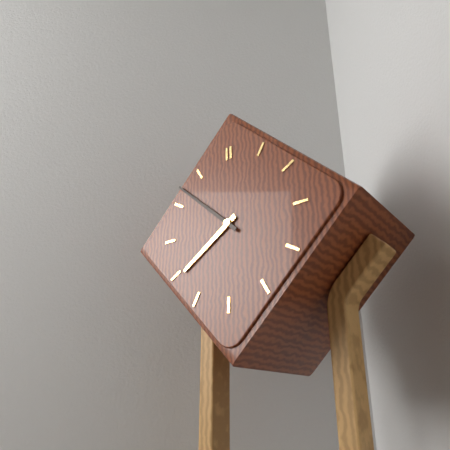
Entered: {"hour": 7, "minute": 52}
